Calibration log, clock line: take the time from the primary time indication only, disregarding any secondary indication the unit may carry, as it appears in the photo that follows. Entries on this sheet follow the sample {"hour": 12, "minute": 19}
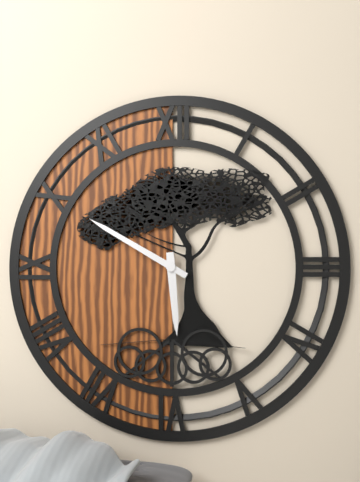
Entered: {"hour": 5, "minute": 50}
